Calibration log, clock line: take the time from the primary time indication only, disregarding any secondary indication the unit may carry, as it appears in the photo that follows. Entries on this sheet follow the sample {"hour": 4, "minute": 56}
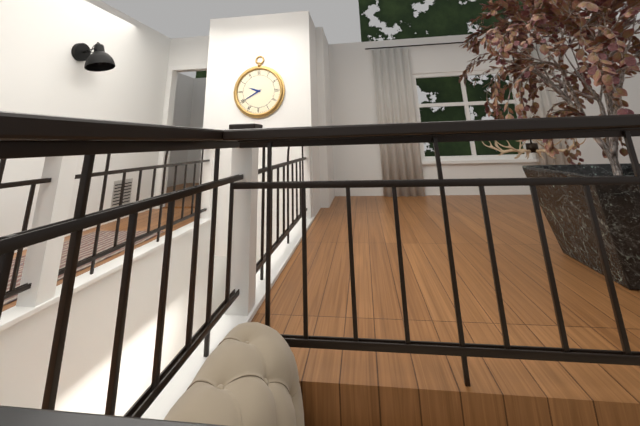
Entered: {"hour": 9, "minute": 40}
